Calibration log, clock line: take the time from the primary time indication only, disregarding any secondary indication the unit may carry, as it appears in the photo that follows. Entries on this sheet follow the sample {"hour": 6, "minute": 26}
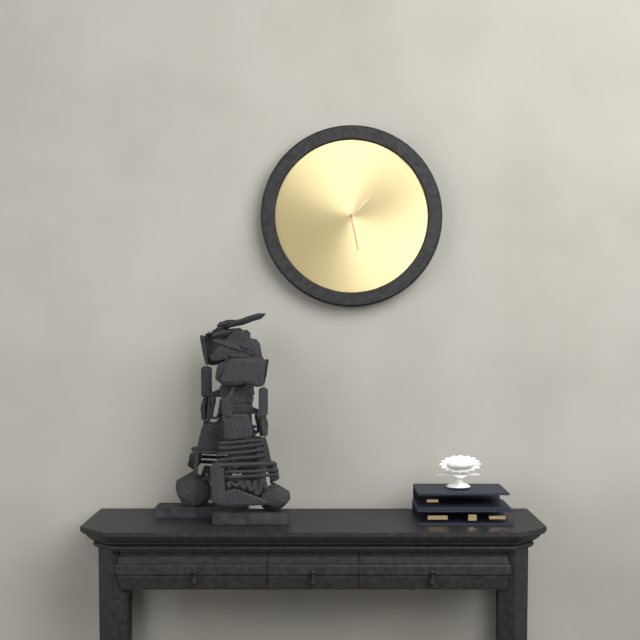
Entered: {"hour": 1, "minute": 28}
